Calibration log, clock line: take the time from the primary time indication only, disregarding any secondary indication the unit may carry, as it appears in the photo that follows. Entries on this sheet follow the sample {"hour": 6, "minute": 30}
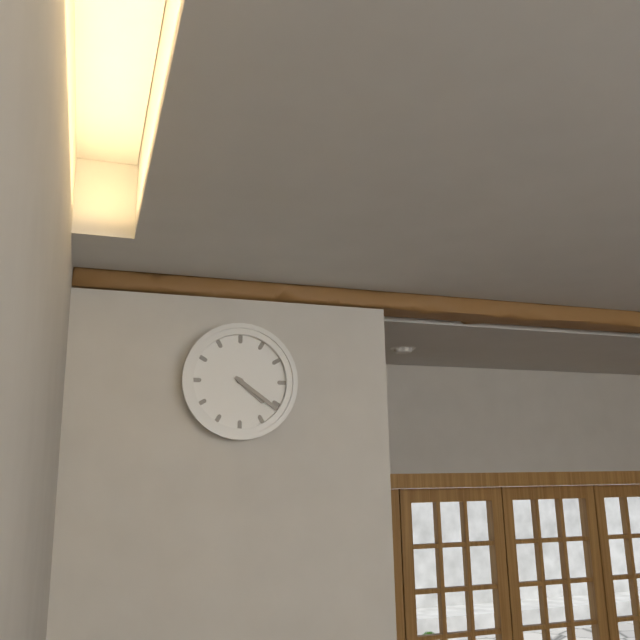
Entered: {"hour": 4, "minute": 21}
